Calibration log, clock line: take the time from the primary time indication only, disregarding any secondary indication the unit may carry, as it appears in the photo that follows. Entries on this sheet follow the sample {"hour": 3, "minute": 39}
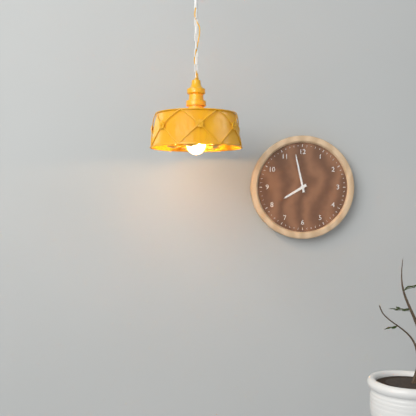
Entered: {"hour": 7, "minute": 58}
